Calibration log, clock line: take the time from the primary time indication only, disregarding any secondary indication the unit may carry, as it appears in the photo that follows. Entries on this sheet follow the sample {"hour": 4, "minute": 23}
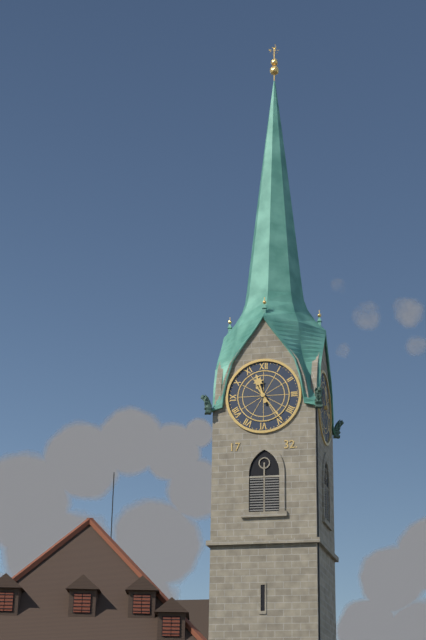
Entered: {"hour": 11, "minute": 24}
